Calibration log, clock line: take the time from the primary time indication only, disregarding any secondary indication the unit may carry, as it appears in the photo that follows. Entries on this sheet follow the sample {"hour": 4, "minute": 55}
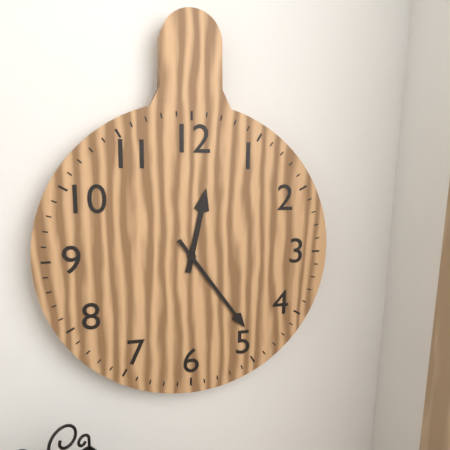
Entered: {"hour": 12, "minute": 24}
